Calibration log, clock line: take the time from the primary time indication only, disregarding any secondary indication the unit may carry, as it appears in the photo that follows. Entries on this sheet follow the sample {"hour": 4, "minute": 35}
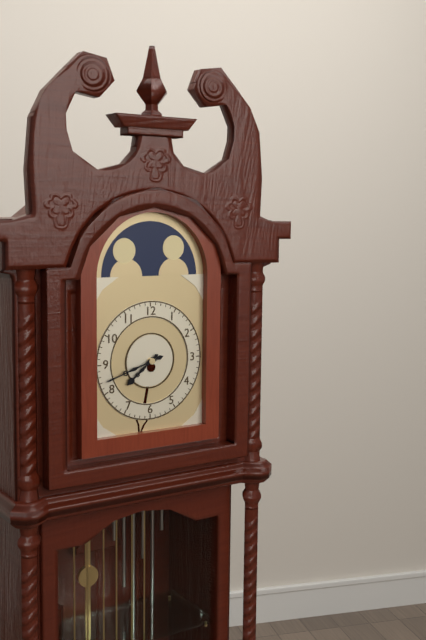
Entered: {"hour": 7, "minute": 42}
